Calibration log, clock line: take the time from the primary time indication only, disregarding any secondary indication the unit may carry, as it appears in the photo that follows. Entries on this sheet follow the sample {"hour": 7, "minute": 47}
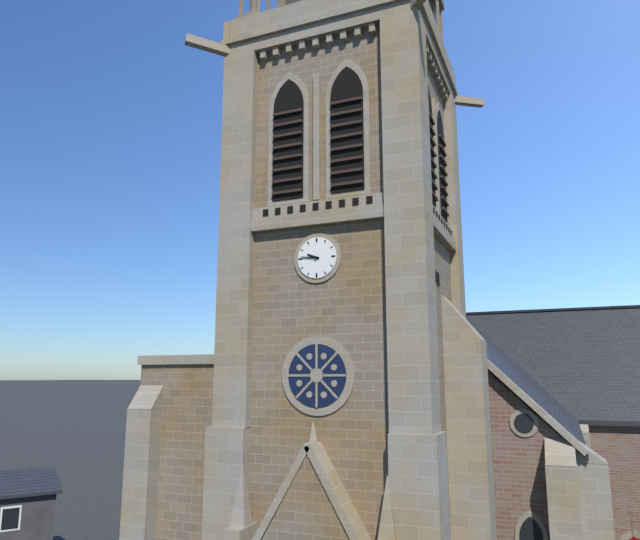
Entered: {"hour": 9, "minute": 46}
